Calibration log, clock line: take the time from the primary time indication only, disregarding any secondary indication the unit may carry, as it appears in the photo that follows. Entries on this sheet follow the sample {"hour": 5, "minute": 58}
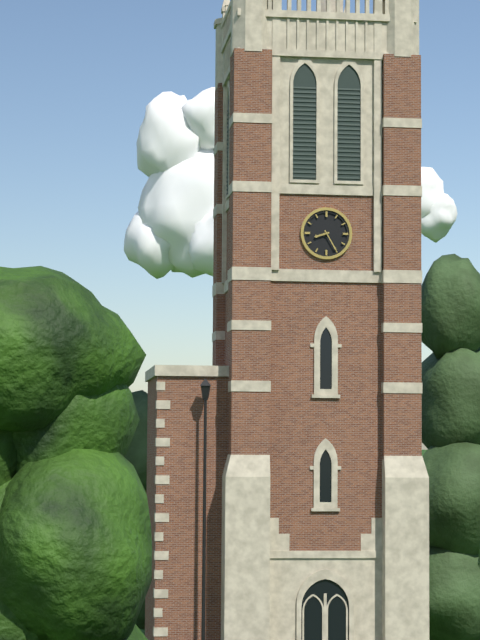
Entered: {"hour": 8, "minute": 25}
